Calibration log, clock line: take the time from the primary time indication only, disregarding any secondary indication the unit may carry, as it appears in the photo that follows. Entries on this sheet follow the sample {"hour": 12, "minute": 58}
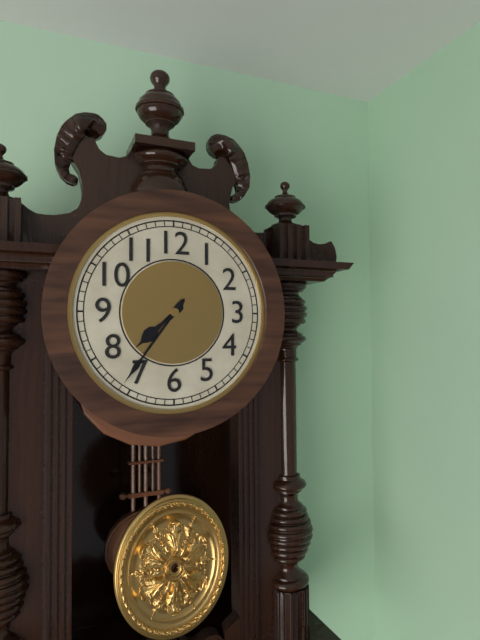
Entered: {"hour": 7, "minute": 36}
